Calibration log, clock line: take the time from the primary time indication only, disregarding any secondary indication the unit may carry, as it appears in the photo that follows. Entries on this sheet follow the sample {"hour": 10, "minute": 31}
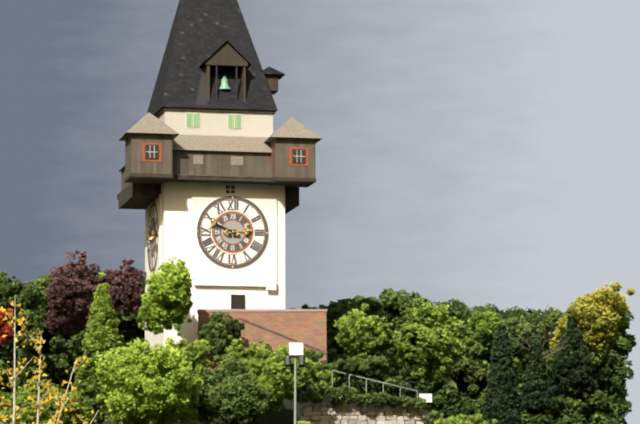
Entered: {"hour": 2, "minute": 49}
